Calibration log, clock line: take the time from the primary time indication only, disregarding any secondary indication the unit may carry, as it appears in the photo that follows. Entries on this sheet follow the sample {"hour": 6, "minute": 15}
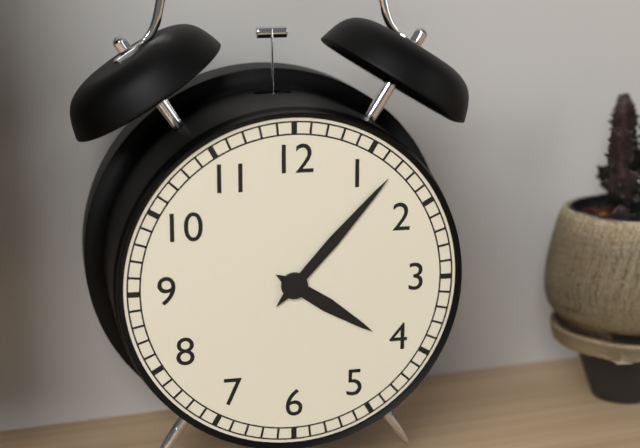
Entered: {"hour": 4, "minute": 7}
